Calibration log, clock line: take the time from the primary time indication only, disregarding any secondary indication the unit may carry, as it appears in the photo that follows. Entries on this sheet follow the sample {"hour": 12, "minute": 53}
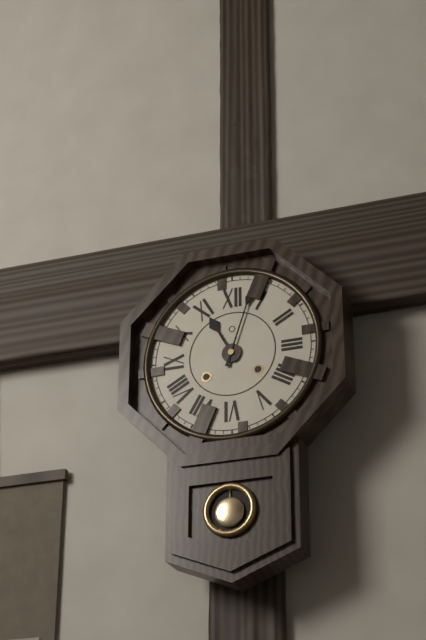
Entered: {"hour": 11, "minute": 3}
